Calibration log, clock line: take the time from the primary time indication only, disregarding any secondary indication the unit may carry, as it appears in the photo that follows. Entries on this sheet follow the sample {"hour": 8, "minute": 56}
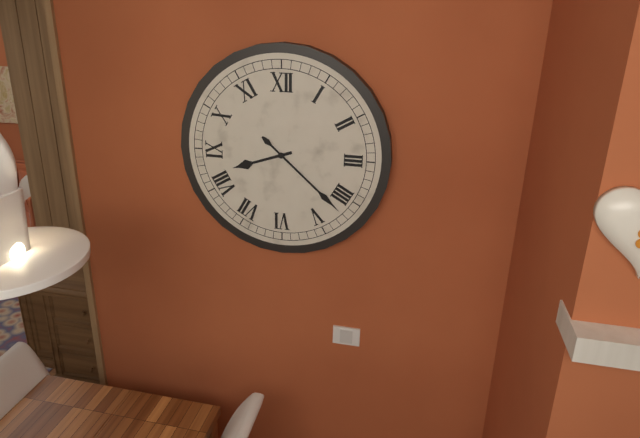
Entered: {"hour": 8, "minute": 22}
